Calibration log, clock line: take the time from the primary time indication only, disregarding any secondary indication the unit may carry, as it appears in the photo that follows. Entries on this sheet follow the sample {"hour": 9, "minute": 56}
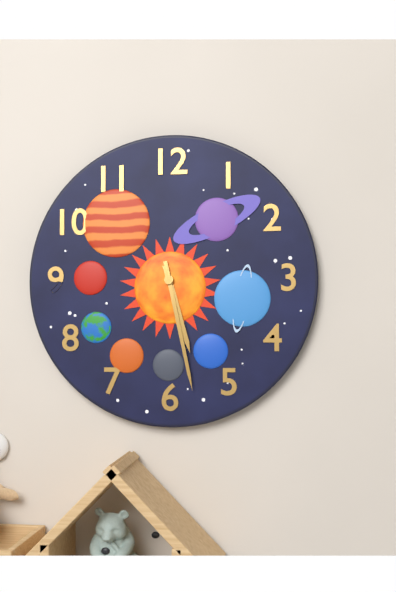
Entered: {"hour": 5, "minute": 28}
